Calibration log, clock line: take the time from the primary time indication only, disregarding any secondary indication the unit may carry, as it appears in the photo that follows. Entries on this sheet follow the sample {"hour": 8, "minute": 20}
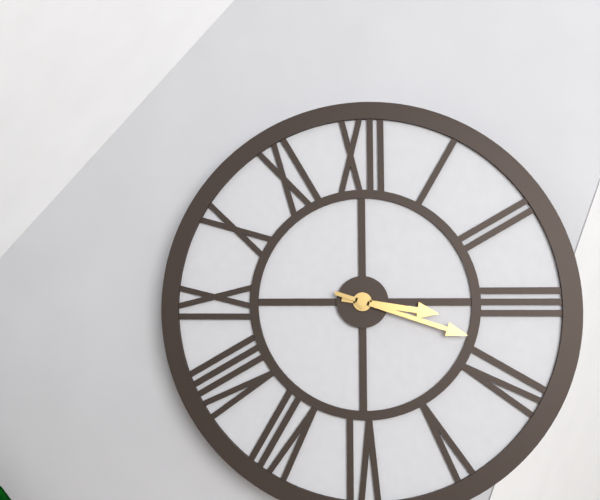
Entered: {"hour": 3, "minute": 18}
